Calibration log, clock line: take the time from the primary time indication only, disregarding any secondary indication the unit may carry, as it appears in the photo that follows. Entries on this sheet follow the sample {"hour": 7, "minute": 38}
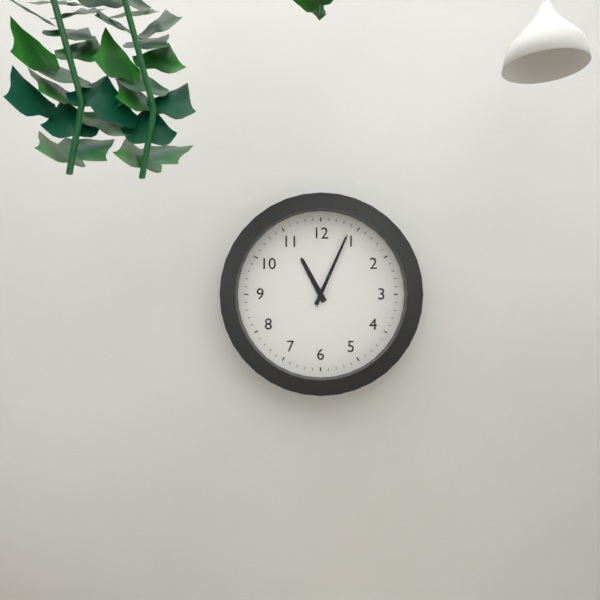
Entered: {"hour": 11, "minute": 4}
